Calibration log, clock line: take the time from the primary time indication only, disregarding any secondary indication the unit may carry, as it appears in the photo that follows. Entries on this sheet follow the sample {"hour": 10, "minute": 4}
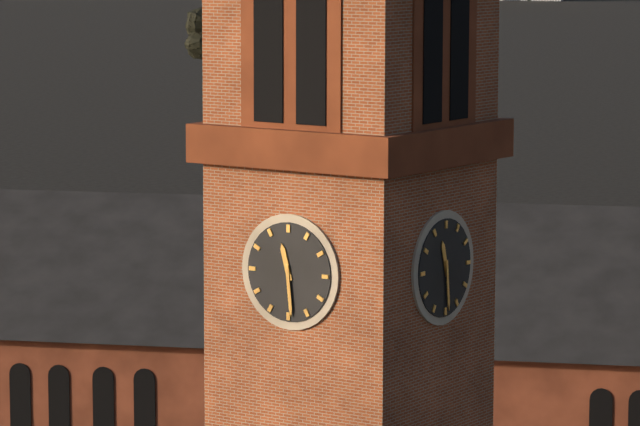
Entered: {"hour": 11, "minute": 29}
